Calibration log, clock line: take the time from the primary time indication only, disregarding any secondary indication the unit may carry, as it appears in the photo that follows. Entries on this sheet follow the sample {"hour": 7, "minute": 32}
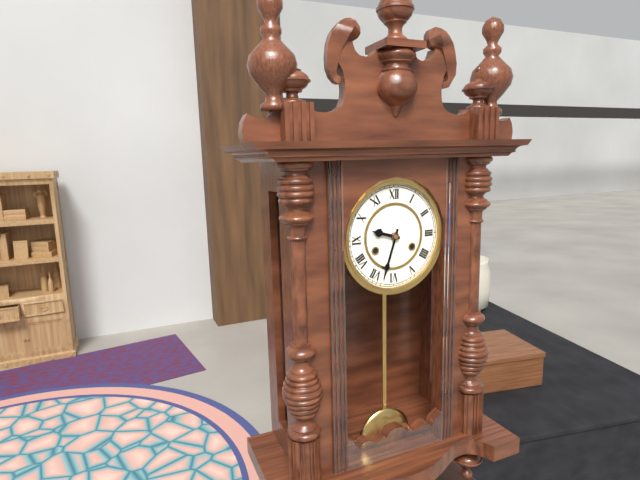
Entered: {"hour": 9, "minute": 33}
